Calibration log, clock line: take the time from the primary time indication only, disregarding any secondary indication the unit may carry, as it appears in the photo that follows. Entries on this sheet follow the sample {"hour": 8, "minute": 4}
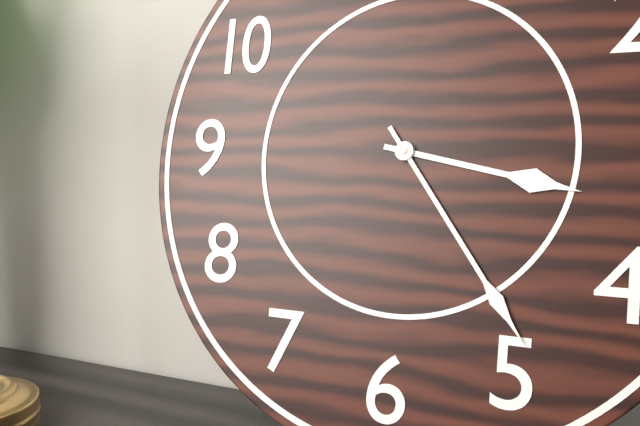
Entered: {"hour": 3, "minute": 24}
